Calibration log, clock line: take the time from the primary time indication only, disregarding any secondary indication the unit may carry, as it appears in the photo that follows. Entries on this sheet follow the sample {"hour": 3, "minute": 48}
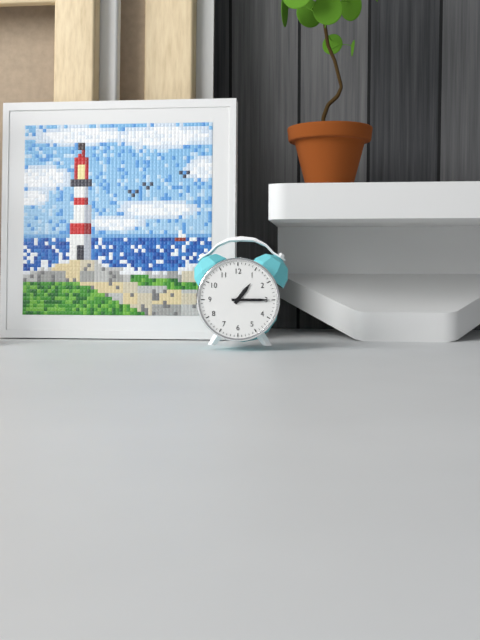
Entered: {"hour": 1, "minute": 15}
